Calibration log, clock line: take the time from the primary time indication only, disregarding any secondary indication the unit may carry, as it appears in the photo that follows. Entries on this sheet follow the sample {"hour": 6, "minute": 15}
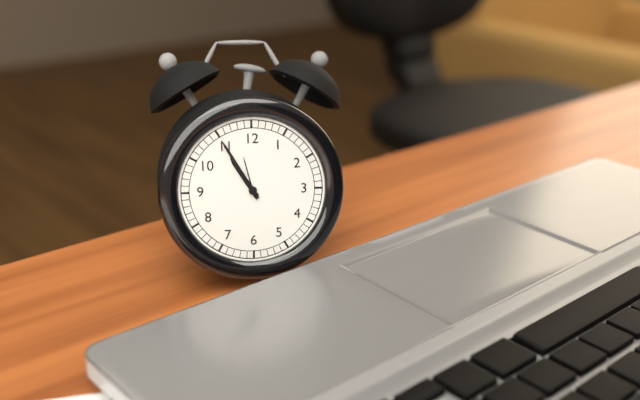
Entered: {"hour": 10, "minute": 55}
